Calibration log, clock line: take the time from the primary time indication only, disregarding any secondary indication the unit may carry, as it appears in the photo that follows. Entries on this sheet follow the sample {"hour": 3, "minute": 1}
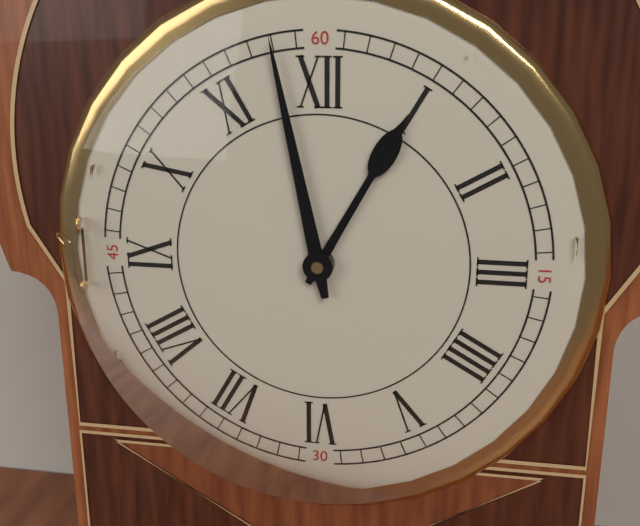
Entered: {"hour": 12, "minute": 58}
